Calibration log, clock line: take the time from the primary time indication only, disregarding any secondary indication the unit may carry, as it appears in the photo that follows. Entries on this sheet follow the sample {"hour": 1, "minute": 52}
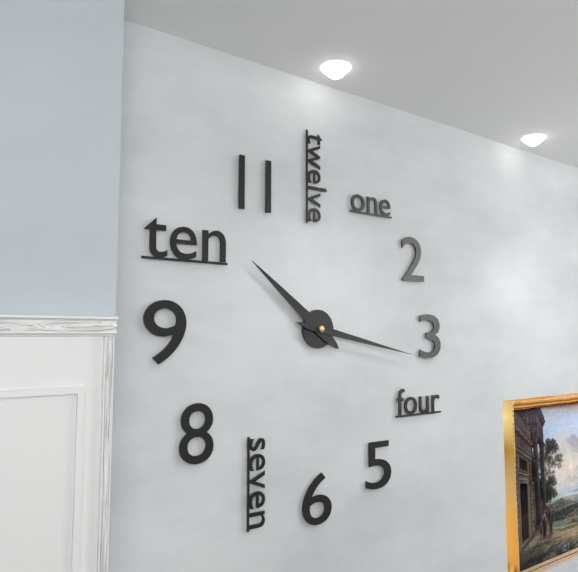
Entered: {"hour": 10, "minute": 17}
